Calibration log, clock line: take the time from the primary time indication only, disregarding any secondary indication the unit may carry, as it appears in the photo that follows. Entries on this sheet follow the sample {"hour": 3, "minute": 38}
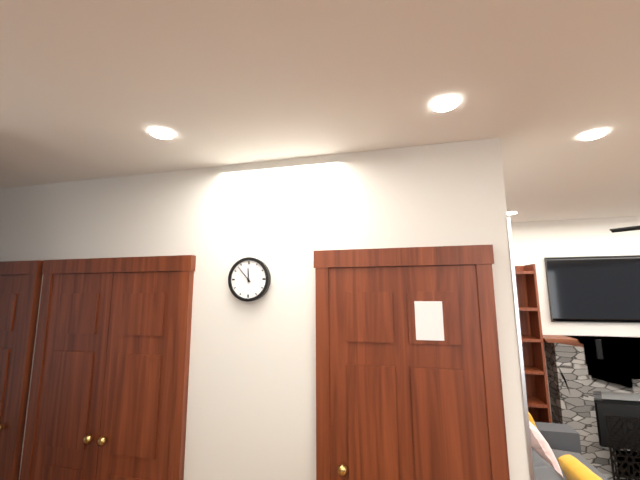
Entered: {"hour": 11, "minute": 53}
